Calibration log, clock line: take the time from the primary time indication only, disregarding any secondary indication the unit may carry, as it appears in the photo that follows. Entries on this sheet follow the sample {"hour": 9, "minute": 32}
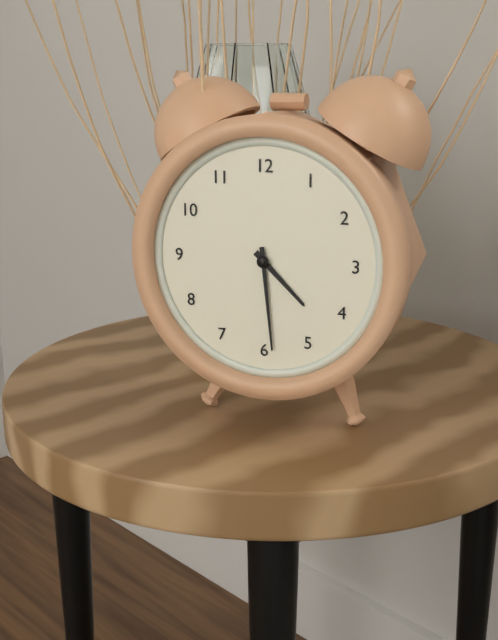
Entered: {"hour": 4, "minute": 29}
